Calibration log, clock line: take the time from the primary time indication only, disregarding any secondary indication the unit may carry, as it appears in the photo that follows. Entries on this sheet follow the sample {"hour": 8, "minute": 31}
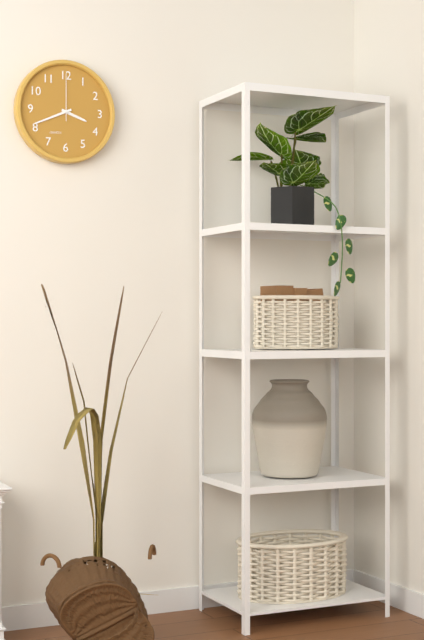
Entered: {"hour": 3, "minute": 41}
